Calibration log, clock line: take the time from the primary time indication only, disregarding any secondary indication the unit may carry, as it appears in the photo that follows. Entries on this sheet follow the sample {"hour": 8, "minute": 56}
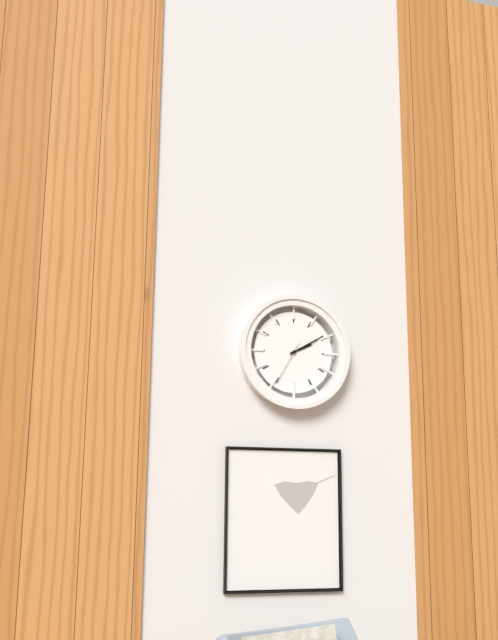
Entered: {"hour": 2, "minute": 10}
